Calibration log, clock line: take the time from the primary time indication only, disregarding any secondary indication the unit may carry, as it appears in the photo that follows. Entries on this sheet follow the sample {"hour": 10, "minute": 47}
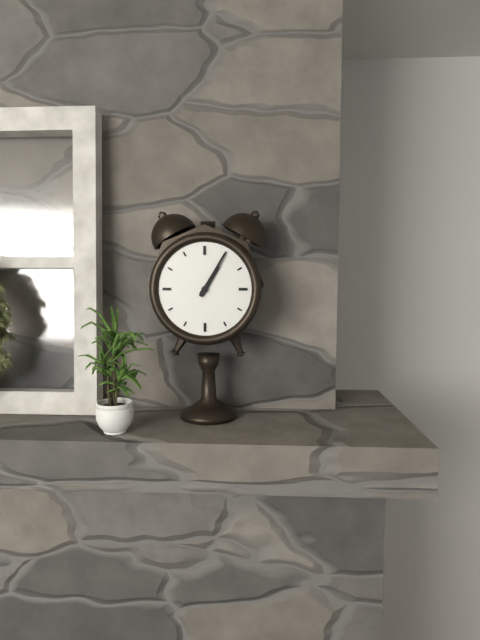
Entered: {"hour": 1, "minute": 5}
